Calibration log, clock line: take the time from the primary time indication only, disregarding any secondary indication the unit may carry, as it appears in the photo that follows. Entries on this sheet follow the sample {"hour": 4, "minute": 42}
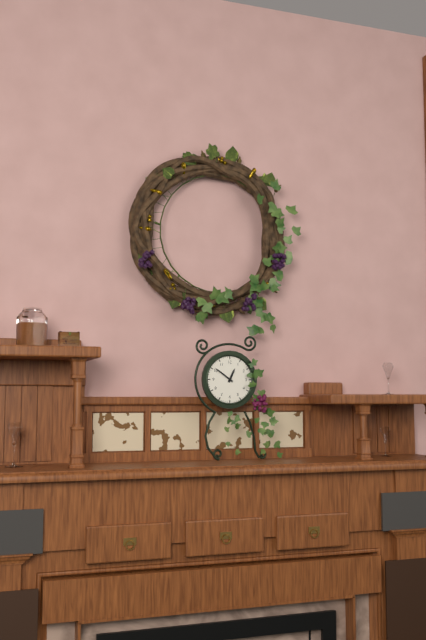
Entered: {"hour": 12, "minute": 51}
